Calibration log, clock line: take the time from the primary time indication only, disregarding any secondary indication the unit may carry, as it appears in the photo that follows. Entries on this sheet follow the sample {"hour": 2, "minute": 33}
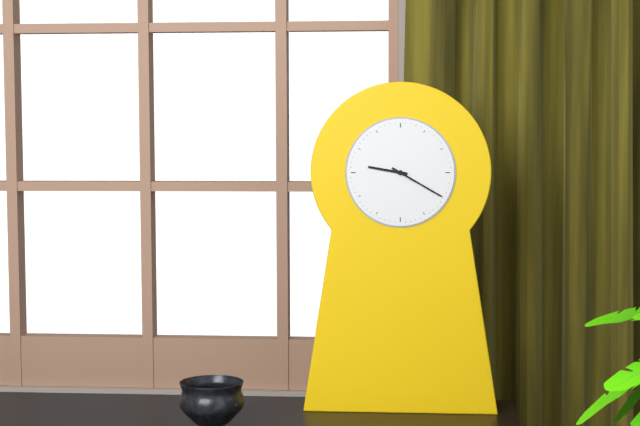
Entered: {"hour": 9, "minute": 20}
